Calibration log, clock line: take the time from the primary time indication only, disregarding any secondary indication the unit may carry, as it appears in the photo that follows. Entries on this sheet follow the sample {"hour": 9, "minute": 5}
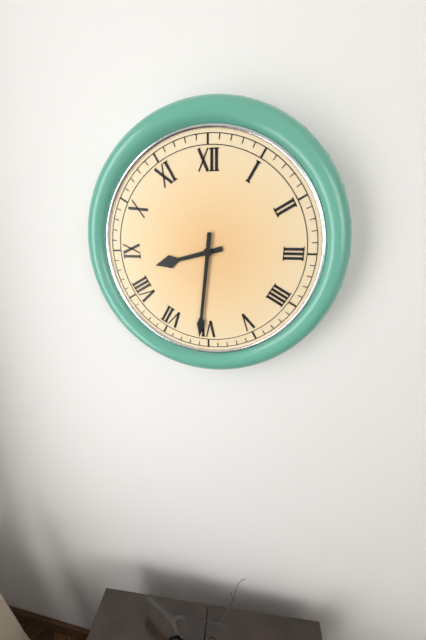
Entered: {"hour": 8, "minute": 31}
